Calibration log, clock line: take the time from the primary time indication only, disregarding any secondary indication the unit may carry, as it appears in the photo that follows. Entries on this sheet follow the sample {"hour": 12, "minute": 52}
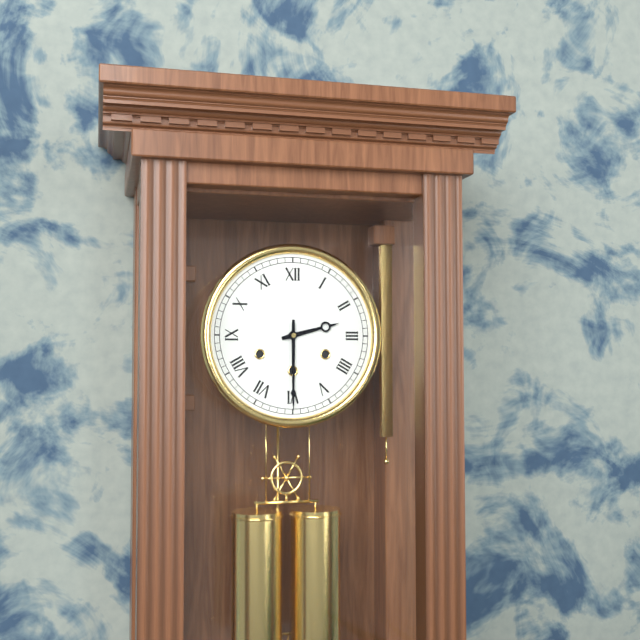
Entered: {"hour": 2, "minute": 30}
